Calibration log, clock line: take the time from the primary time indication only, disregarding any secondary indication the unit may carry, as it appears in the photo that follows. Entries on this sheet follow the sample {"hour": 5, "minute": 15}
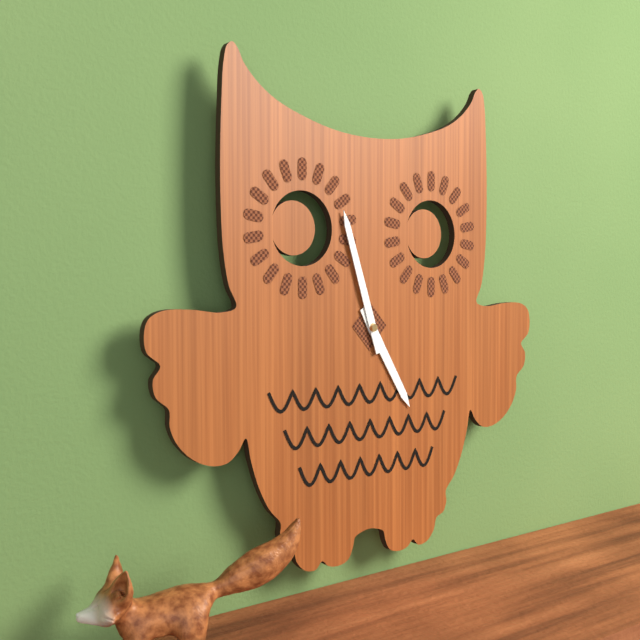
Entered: {"hour": 4, "minute": 57}
